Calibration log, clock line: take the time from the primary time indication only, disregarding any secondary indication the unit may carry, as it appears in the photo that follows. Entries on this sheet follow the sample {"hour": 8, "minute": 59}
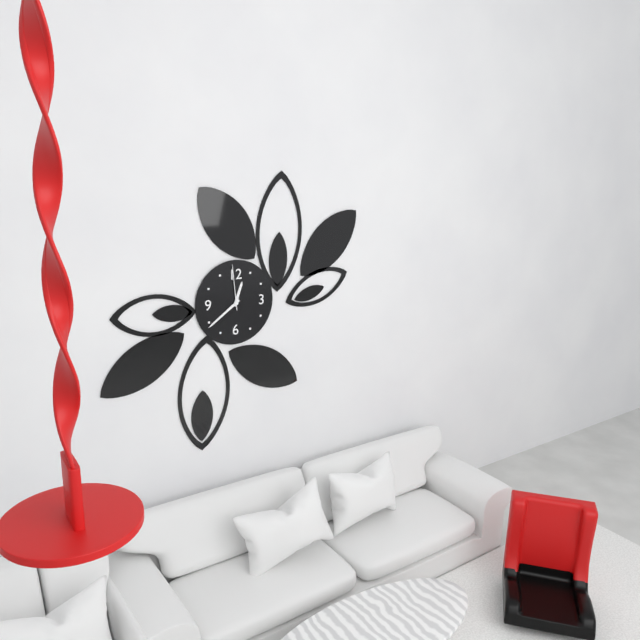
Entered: {"hour": 12, "minute": 39}
